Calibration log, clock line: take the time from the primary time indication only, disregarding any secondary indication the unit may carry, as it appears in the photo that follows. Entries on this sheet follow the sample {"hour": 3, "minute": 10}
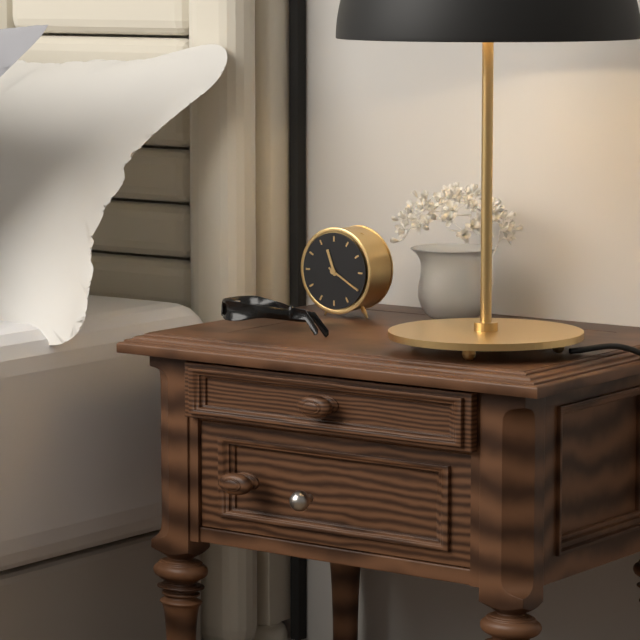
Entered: {"hour": 11, "minute": 20}
